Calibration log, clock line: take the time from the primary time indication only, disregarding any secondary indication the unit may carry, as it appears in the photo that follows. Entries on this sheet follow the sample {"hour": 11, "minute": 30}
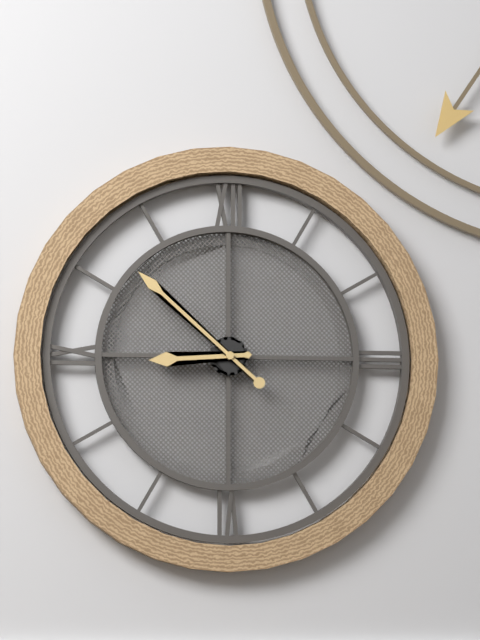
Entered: {"hour": 8, "minute": 52}
